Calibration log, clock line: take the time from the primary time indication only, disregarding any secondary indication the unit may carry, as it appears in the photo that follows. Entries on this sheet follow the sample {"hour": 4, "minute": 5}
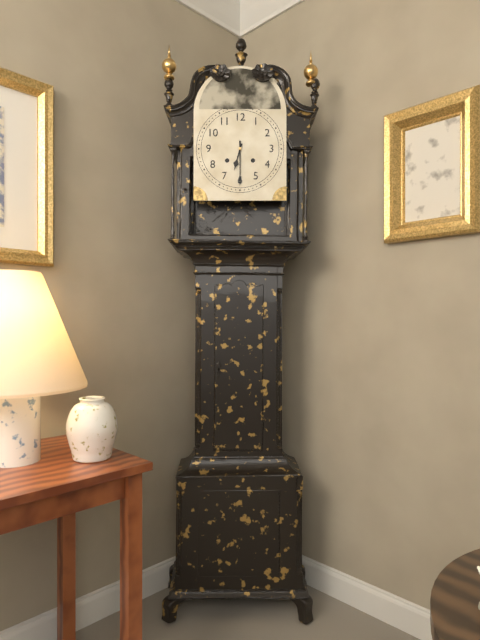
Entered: {"hour": 6, "minute": 30}
